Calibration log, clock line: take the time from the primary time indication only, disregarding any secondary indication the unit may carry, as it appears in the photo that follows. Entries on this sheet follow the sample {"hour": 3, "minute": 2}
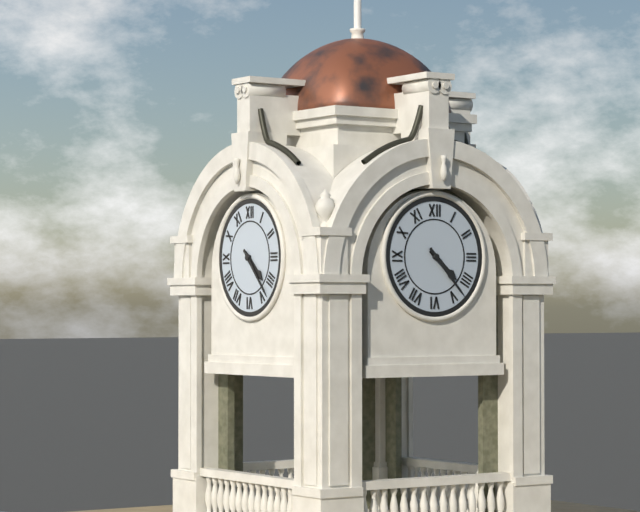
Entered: {"hour": 4, "minute": 23}
